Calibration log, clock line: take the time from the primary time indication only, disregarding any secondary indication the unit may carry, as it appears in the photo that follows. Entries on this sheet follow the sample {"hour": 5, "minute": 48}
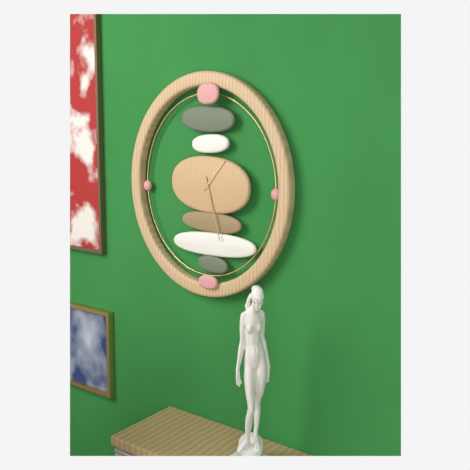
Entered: {"hour": 1, "minute": 27}
